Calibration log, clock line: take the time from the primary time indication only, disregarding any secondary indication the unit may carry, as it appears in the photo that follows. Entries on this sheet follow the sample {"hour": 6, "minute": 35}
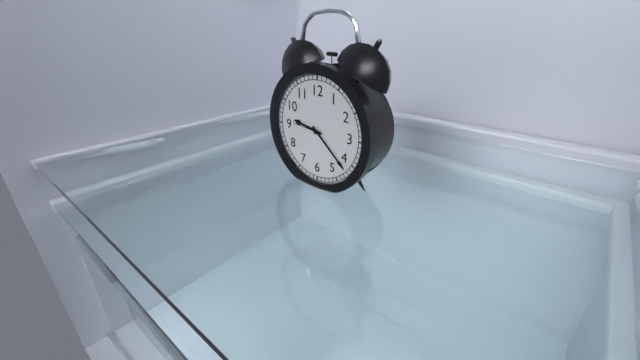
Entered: {"hour": 9, "minute": 22}
